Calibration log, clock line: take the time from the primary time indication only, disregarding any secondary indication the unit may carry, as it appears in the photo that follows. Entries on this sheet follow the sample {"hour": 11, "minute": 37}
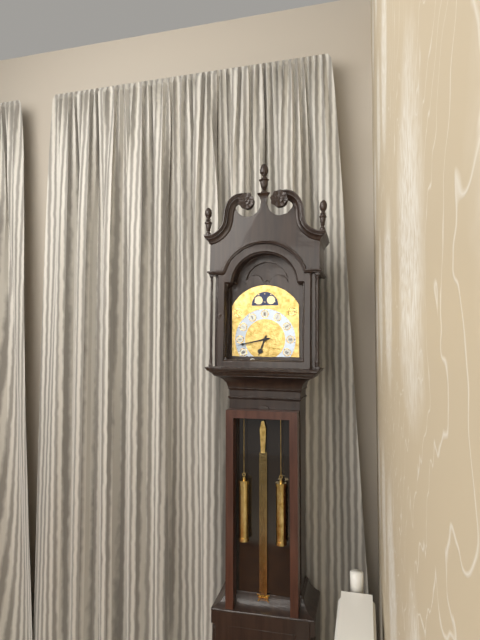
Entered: {"hour": 6, "minute": 43}
